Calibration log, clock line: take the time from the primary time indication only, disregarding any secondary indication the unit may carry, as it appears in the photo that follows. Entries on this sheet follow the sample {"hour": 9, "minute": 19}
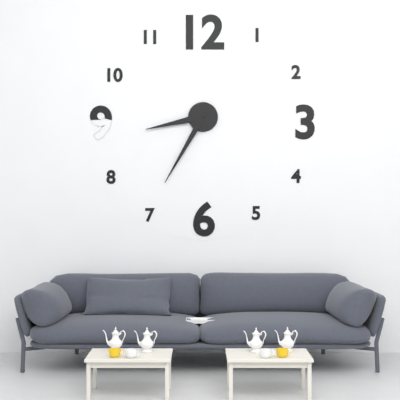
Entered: {"hour": 8, "minute": 35}
